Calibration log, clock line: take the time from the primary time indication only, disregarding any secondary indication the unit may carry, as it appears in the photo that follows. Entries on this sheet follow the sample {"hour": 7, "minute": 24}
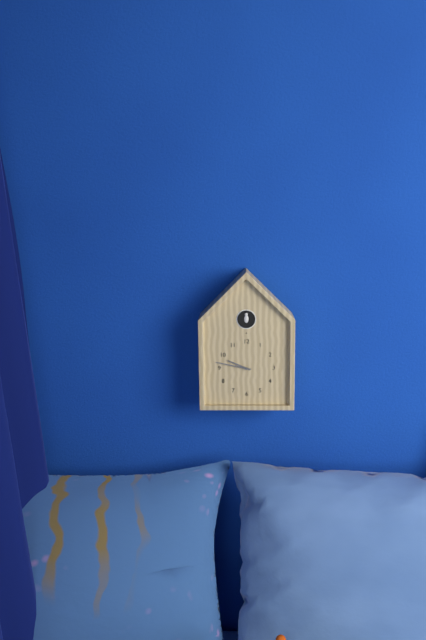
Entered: {"hour": 9, "minute": 47}
